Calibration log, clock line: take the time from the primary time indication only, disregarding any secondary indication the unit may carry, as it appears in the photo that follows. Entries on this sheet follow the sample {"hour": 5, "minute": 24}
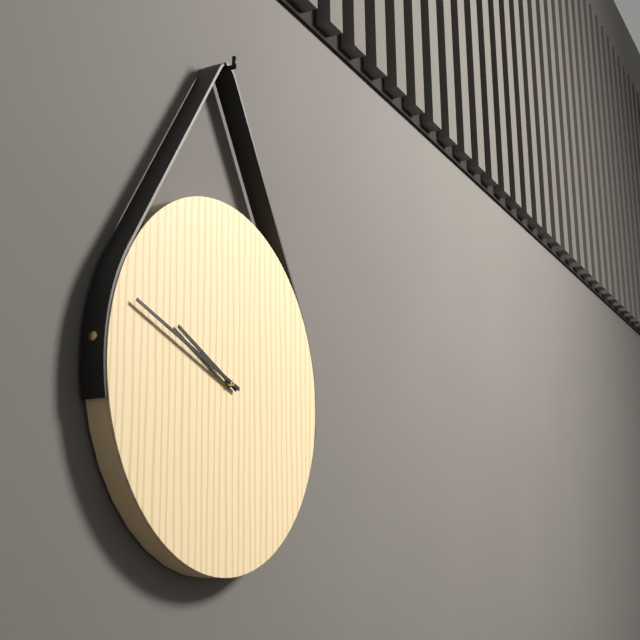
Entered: {"hour": 9, "minute": 48}
